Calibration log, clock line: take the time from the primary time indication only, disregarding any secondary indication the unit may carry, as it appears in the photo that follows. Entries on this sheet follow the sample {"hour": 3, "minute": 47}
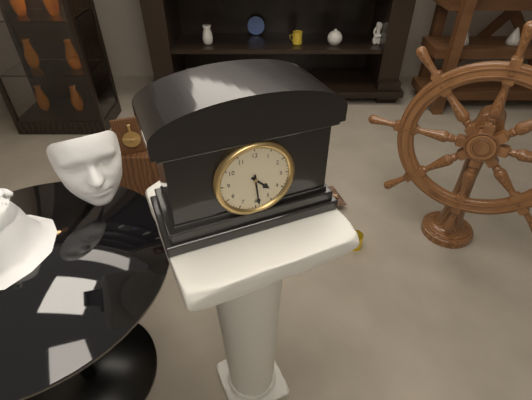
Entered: {"hour": 4, "minute": 29}
